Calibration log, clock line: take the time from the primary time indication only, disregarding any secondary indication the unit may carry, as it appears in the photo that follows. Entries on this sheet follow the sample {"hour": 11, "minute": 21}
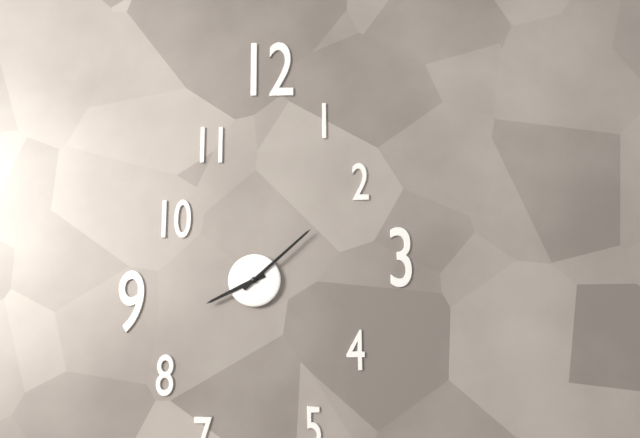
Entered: {"hour": 8, "minute": 8}
